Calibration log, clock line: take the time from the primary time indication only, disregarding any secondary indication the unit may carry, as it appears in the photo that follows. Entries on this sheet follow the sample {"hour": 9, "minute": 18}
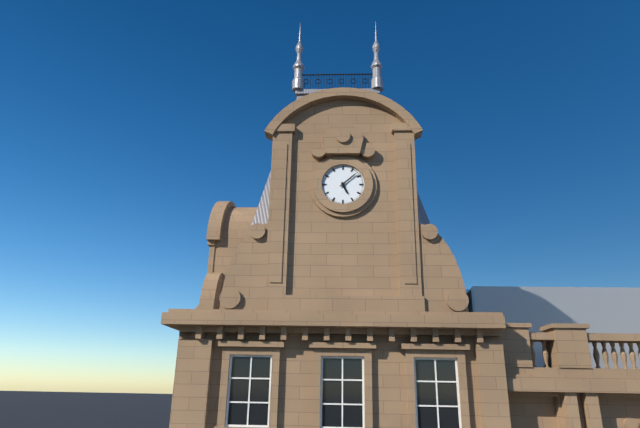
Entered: {"hour": 5, "minute": 8}
